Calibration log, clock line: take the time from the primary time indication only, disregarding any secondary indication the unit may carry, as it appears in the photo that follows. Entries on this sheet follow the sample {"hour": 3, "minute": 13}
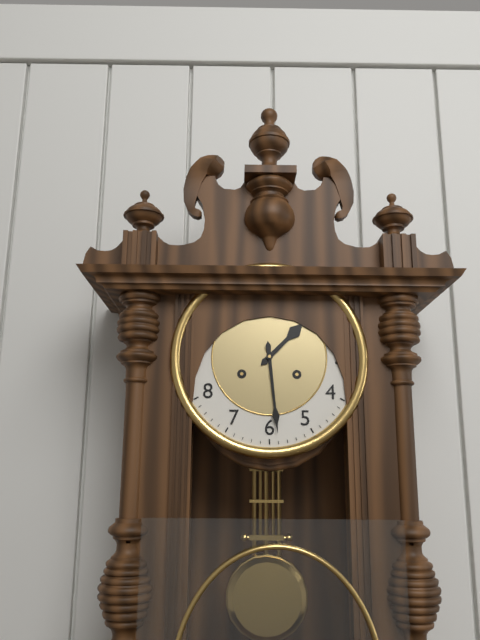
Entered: {"hour": 1, "minute": 29}
